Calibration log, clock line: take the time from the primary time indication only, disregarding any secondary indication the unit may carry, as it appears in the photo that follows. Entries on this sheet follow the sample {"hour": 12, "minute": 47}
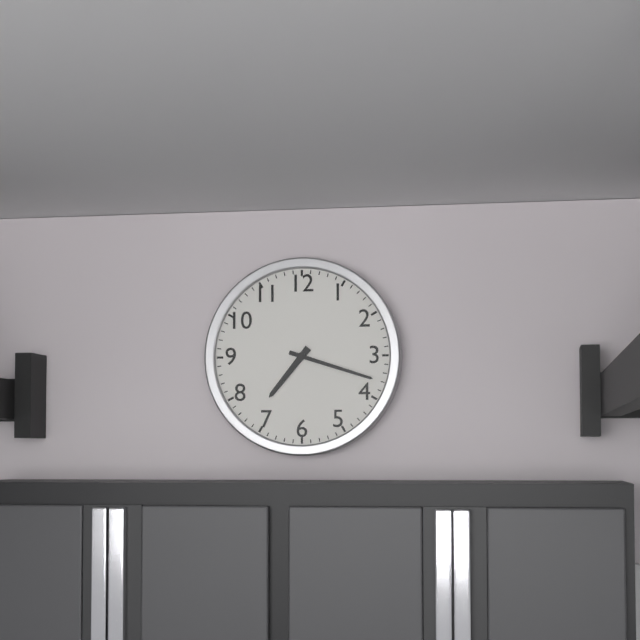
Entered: {"hour": 7, "minute": 18}
